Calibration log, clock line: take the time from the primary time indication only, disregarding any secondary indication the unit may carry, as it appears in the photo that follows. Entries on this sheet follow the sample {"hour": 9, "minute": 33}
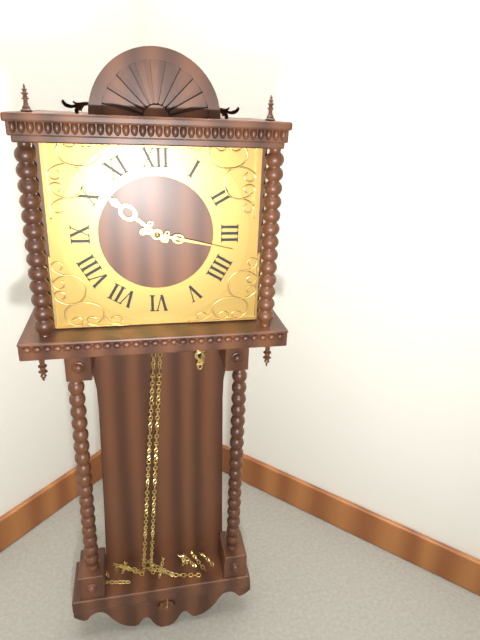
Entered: {"hour": 10, "minute": 17}
